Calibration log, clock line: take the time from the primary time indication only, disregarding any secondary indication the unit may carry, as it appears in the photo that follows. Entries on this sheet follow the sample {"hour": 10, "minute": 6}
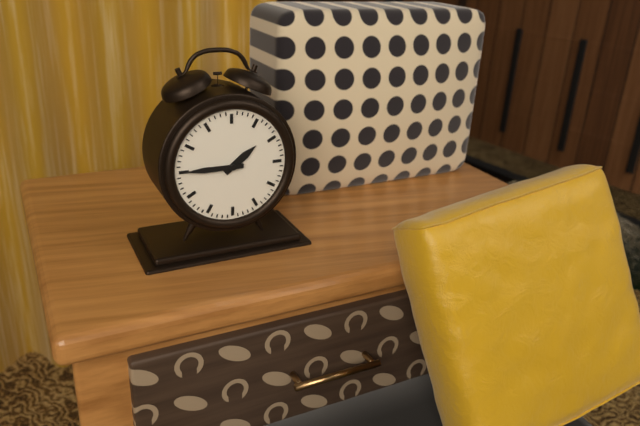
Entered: {"hour": 1, "minute": 45}
